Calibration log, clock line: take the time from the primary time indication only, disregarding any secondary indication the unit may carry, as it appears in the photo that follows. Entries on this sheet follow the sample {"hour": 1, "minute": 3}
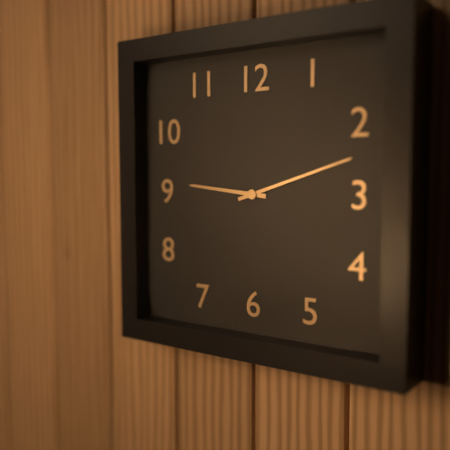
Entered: {"hour": 9, "minute": 12}
